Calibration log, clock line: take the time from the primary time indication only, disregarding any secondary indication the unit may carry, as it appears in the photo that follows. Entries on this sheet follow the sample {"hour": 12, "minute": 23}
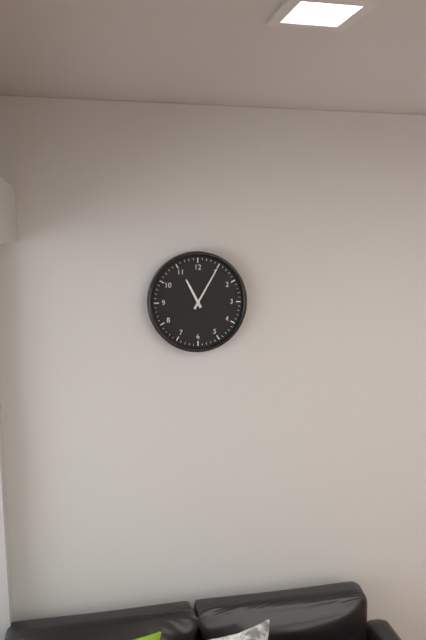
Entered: {"hour": 11, "minute": 5}
